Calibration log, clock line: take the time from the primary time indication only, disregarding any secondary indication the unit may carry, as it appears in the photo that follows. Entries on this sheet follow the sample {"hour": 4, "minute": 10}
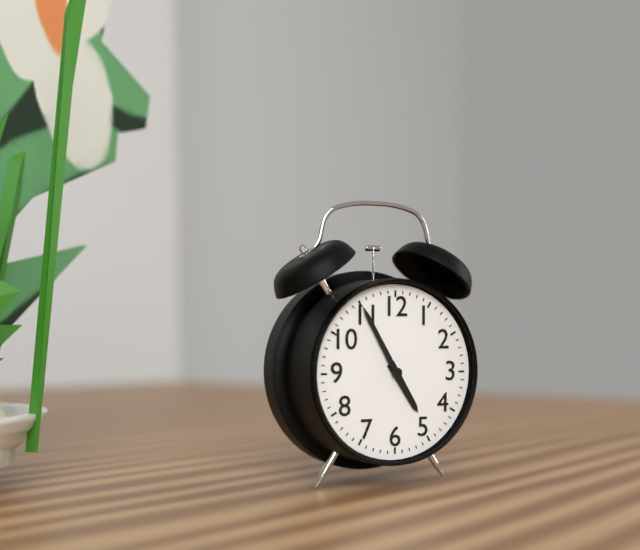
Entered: {"hour": 4, "minute": 55}
